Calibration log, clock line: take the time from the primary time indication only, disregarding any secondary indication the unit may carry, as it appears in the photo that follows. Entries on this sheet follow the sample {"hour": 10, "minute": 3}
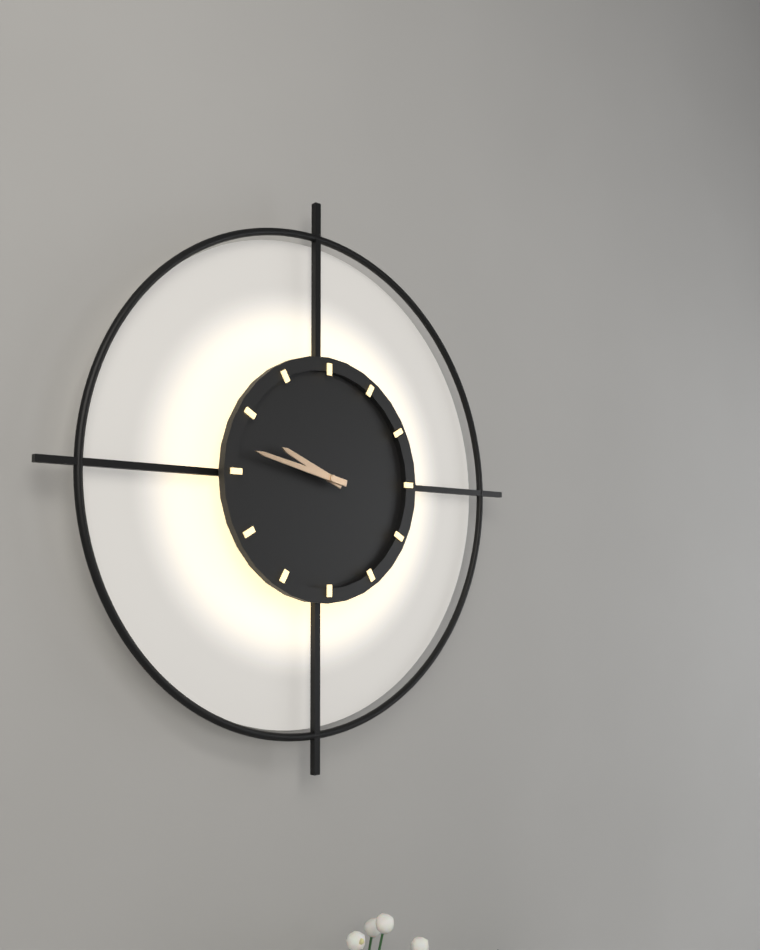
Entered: {"hour": 9, "minute": 47}
